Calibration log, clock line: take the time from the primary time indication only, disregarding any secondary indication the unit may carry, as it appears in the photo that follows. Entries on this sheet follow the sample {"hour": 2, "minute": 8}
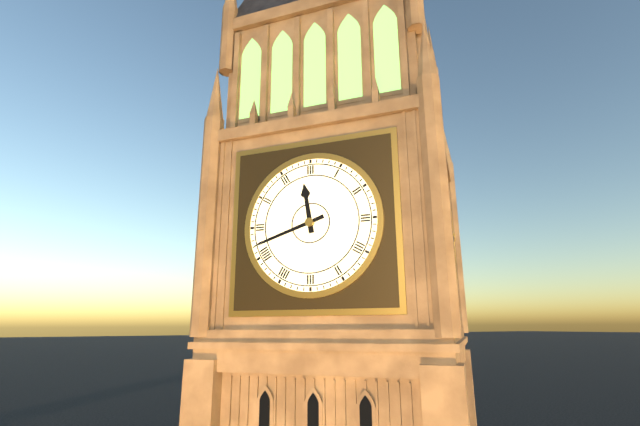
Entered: {"hour": 11, "minute": 42}
